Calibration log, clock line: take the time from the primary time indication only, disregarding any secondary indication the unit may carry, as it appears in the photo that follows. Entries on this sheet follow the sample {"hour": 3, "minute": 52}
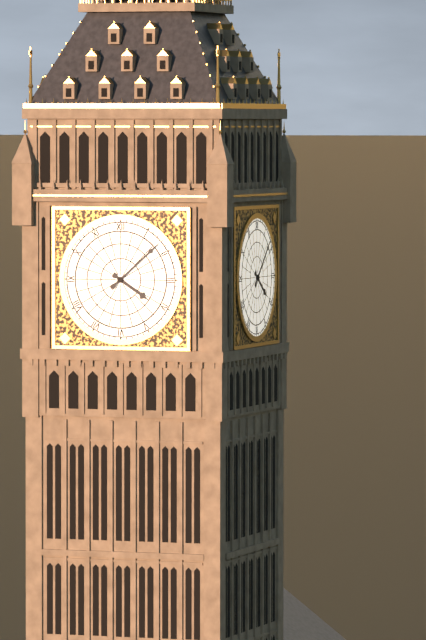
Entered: {"hour": 4, "minute": 8}
